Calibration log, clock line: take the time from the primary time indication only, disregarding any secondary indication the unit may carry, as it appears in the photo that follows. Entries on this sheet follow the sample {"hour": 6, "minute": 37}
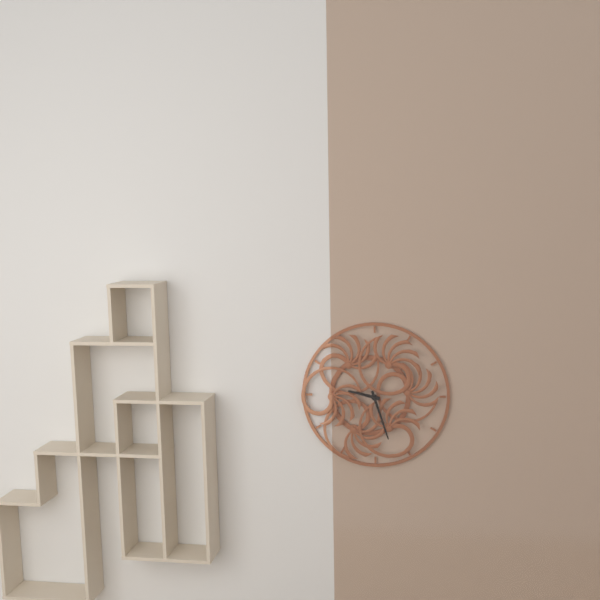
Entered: {"hour": 9, "minute": 27}
